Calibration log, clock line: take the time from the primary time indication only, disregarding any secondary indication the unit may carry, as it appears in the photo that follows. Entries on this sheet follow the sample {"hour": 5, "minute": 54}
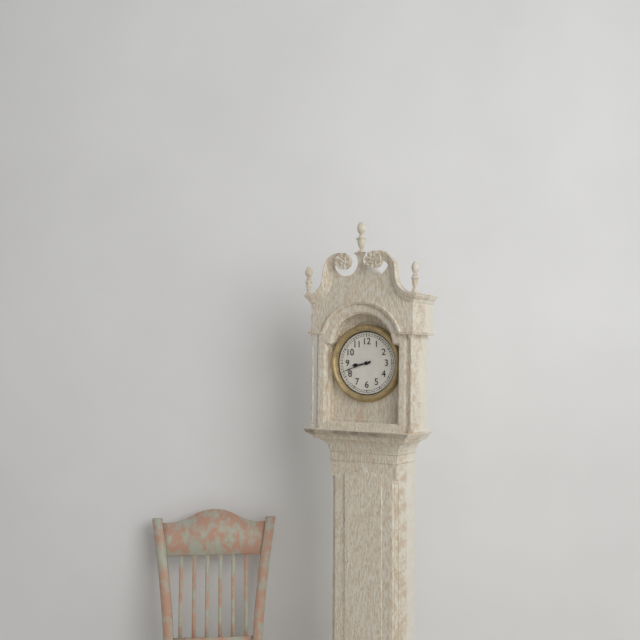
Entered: {"hour": 8, "minute": 42}
